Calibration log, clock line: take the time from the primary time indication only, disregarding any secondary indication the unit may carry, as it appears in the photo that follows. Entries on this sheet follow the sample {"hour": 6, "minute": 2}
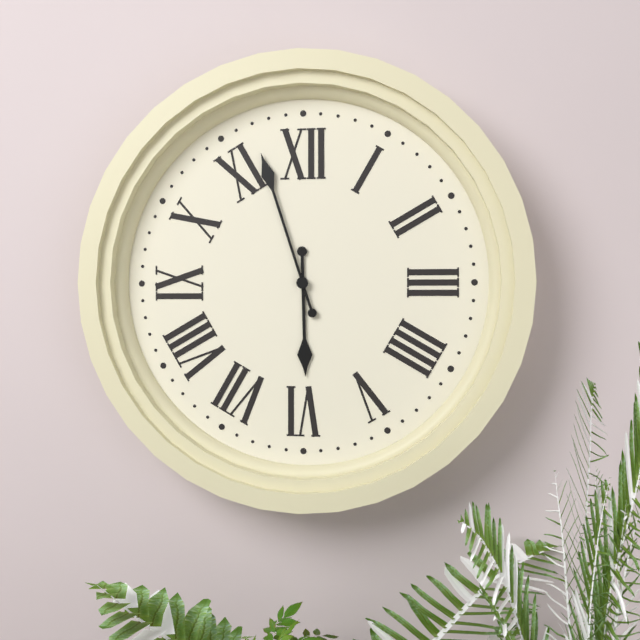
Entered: {"hour": 5, "minute": 57}
